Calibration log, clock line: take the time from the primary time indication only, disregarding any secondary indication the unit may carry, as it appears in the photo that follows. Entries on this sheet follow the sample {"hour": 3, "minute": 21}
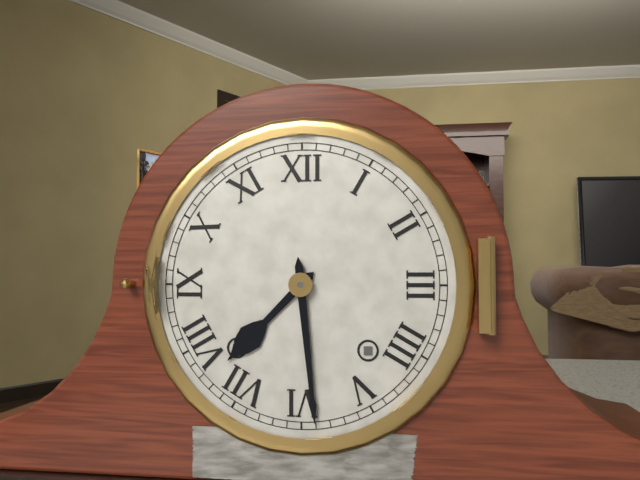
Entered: {"hour": 7, "minute": 29}
